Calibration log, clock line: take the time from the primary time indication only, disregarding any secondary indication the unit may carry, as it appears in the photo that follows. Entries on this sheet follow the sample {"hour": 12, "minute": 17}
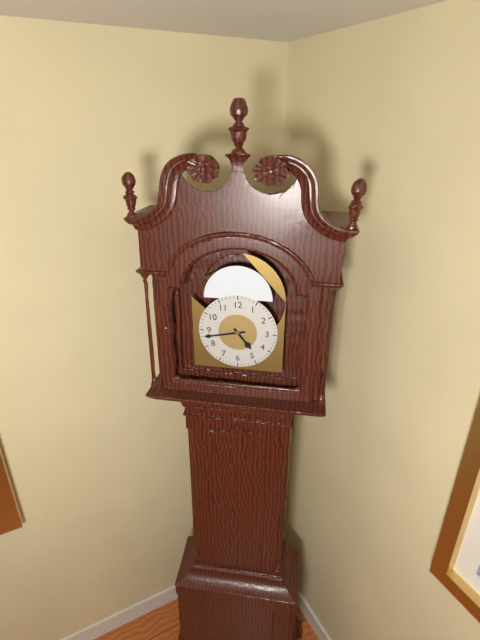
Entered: {"hour": 4, "minute": 43}
